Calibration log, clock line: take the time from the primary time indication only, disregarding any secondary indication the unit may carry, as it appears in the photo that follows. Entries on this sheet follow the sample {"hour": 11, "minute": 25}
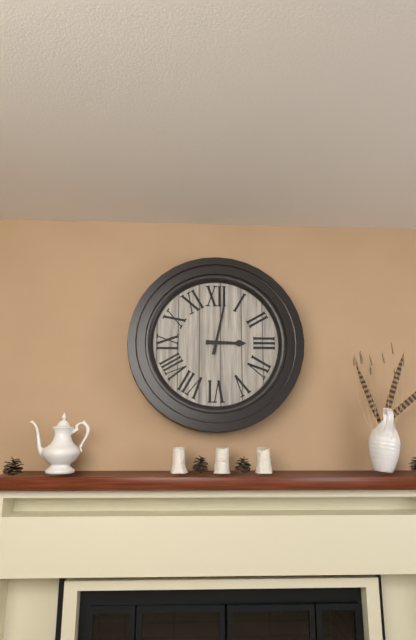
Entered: {"hour": 3, "minute": 2}
